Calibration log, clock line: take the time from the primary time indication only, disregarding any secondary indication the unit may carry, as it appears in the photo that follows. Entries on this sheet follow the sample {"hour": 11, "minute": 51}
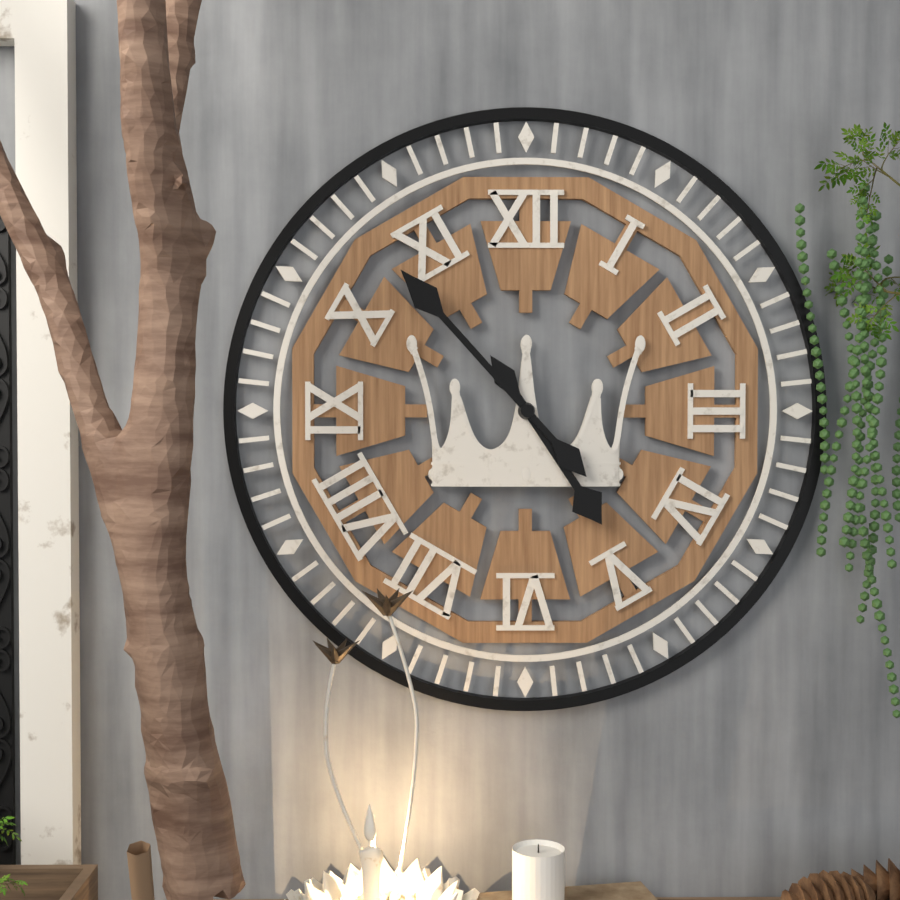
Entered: {"hour": 4, "minute": 53}
